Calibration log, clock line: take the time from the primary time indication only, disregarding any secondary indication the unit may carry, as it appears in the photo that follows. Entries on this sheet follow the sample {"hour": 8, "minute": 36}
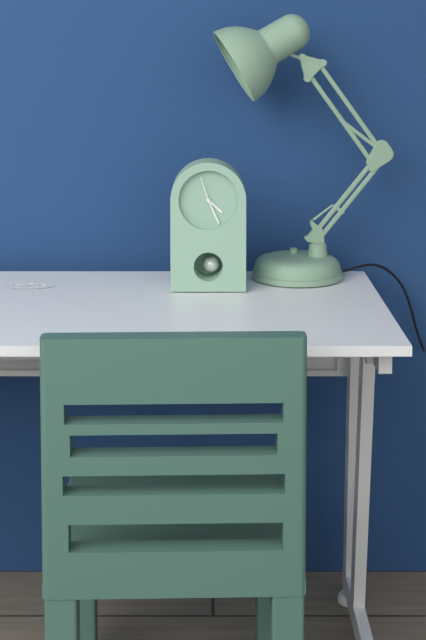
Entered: {"hour": 4, "minute": 26}
